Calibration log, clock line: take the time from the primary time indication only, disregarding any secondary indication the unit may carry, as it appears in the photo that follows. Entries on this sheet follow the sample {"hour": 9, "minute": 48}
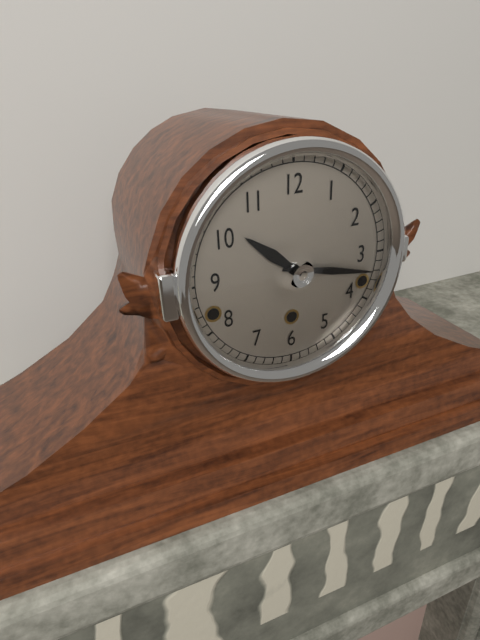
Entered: {"hour": 10, "minute": 17}
